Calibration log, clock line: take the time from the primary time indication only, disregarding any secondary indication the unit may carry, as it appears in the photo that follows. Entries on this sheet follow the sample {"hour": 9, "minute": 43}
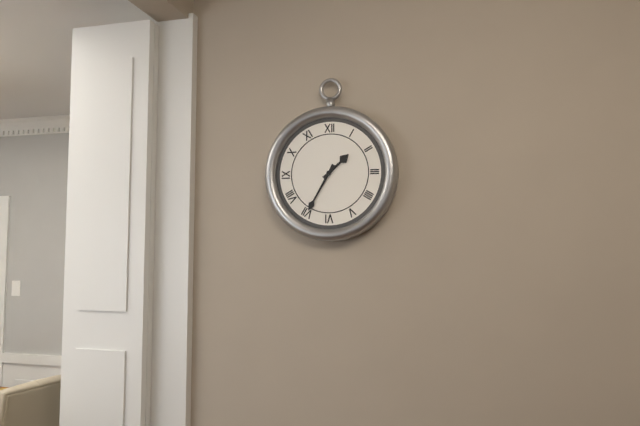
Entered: {"hour": 1, "minute": 35}
